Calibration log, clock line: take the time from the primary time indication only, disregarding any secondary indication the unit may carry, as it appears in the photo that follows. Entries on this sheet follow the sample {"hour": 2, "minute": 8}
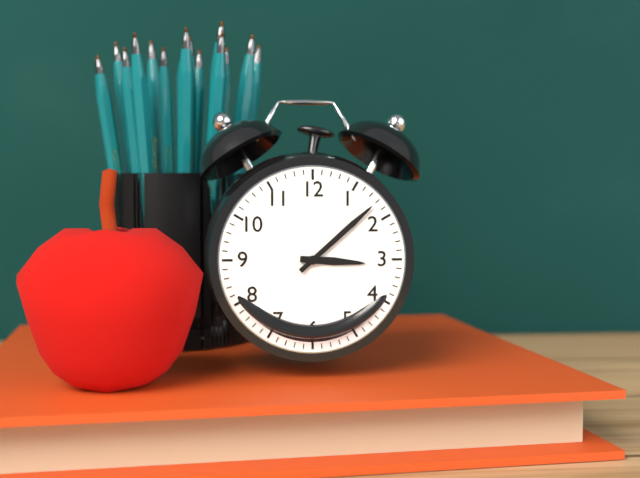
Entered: {"hour": 3, "minute": 8}
